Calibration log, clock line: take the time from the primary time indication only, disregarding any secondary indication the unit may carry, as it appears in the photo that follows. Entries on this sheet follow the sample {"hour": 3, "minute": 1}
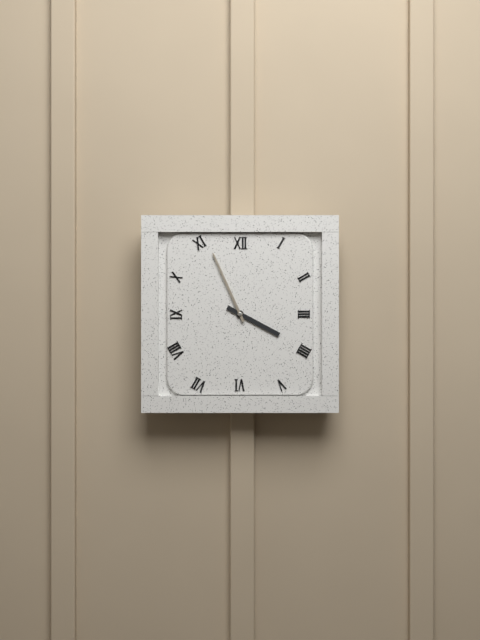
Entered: {"hour": 3, "minute": 56}
